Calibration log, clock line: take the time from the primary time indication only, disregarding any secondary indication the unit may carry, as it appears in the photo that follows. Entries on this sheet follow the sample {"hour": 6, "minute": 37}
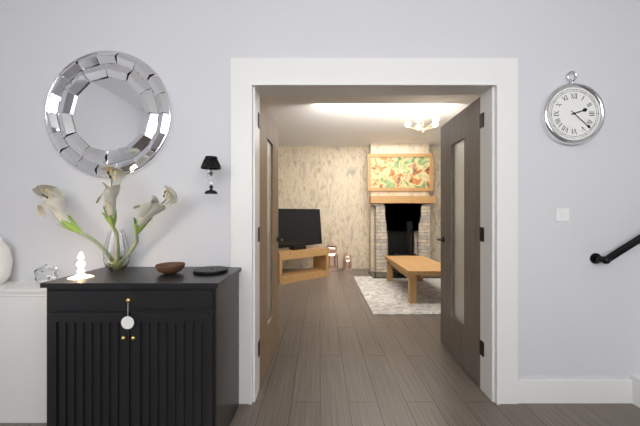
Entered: {"hour": 2, "minute": 22}
